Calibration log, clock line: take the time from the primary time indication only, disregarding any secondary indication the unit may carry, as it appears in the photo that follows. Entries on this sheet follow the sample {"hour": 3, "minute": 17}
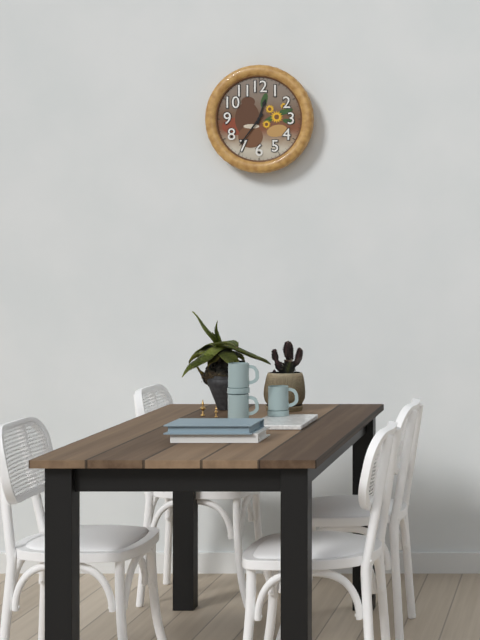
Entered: {"hour": 12, "minute": 36}
